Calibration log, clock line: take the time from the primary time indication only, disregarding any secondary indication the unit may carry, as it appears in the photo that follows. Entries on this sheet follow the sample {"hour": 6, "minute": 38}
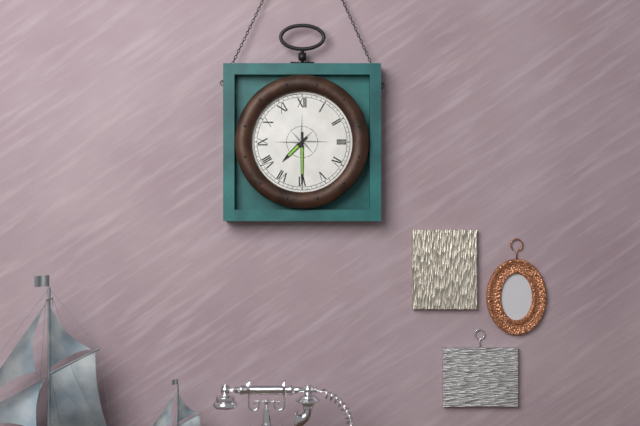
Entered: {"hour": 7, "minute": 30}
